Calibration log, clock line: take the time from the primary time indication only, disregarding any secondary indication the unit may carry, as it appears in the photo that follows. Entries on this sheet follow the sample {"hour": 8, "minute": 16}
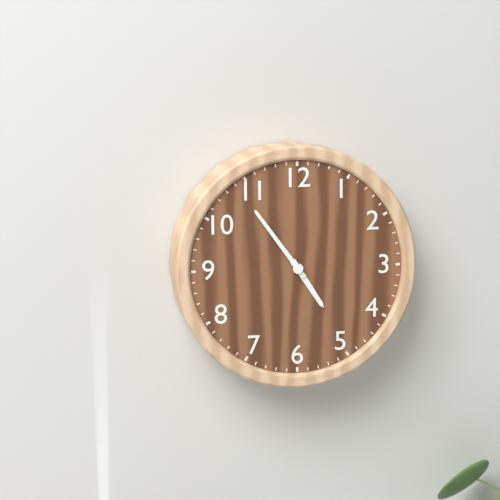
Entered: {"hour": 4, "minute": 54}
